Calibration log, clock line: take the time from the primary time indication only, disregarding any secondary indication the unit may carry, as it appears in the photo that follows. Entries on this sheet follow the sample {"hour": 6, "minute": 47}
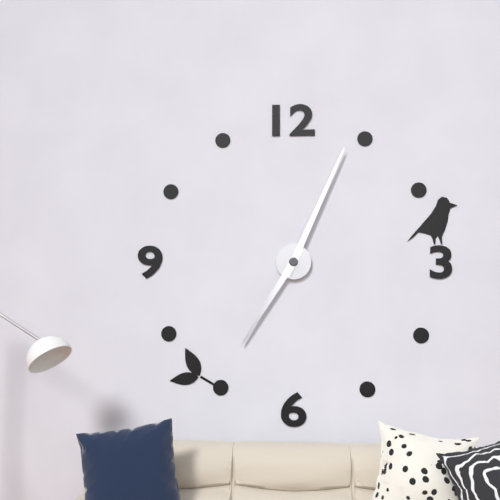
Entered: {"hour": 7, "minute": 4}
